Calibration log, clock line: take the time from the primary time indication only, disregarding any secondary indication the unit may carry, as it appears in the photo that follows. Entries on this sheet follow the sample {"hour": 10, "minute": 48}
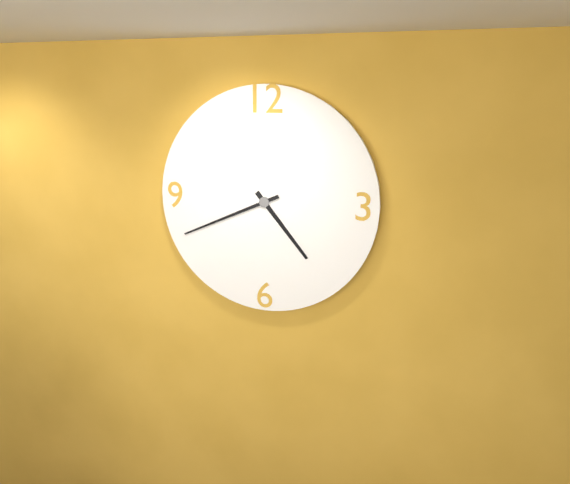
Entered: {"hour": 4, "minute": 41}
